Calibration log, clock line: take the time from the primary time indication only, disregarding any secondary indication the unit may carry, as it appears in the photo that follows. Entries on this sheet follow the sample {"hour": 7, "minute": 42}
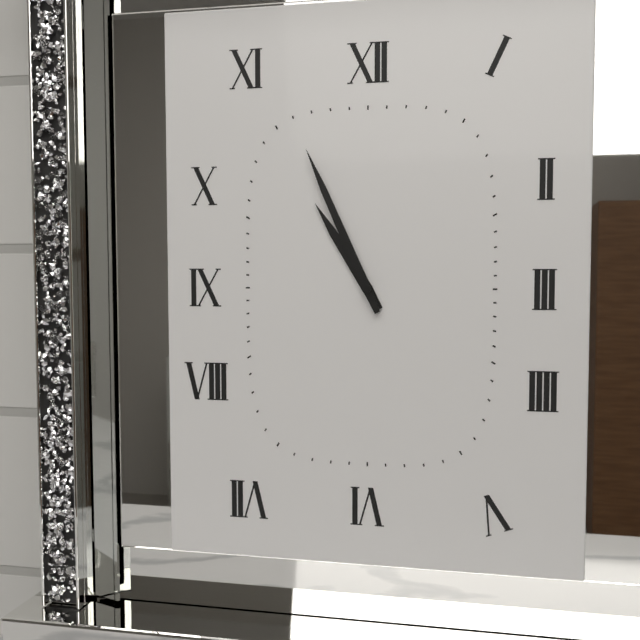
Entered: {"hour": 10, "minute": 56}
